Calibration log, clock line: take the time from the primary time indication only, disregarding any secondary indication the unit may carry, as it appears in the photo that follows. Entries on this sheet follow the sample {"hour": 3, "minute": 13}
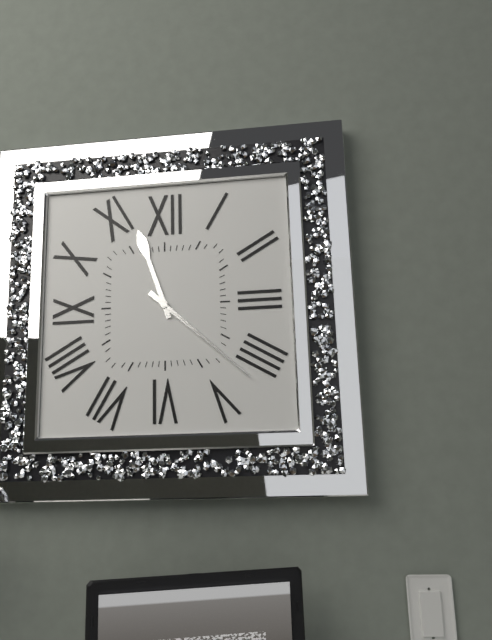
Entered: {"hour": 11, "minute": 22}
